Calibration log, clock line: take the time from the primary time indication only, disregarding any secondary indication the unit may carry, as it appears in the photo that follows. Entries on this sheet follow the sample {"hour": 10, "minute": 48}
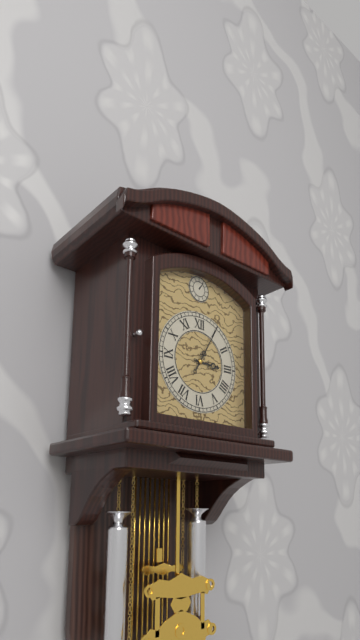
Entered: {"hour": 3, "minute": 5}
